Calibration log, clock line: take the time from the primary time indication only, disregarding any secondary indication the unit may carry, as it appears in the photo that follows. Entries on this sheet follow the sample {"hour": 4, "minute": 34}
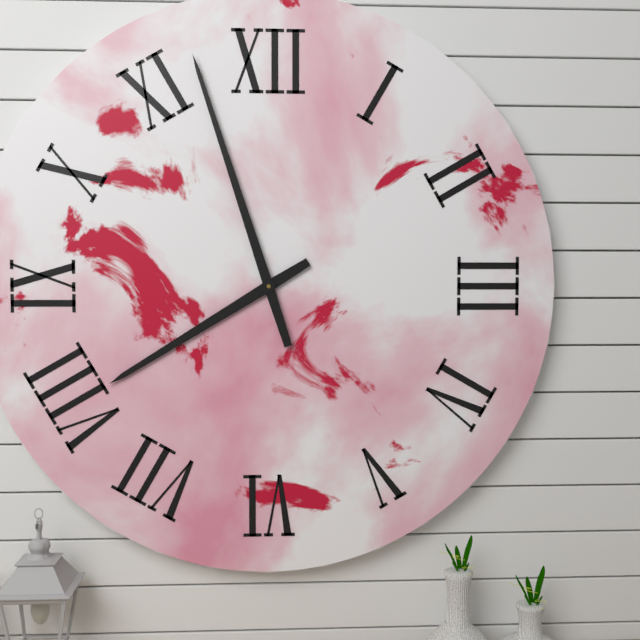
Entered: {"hour": 7, "minute": 57}
